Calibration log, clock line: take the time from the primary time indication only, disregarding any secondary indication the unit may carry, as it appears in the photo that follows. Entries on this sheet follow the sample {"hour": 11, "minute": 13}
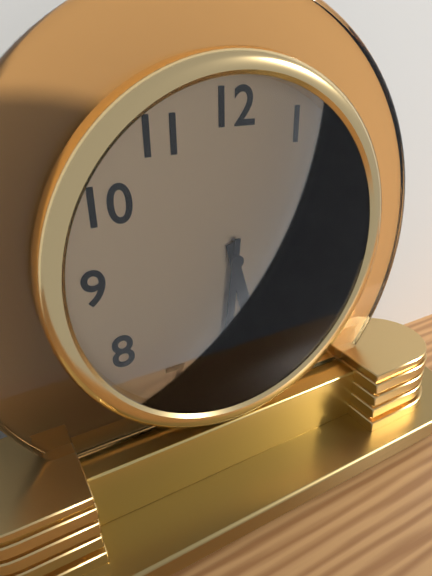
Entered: {"hour": 5, "minute": 31}
